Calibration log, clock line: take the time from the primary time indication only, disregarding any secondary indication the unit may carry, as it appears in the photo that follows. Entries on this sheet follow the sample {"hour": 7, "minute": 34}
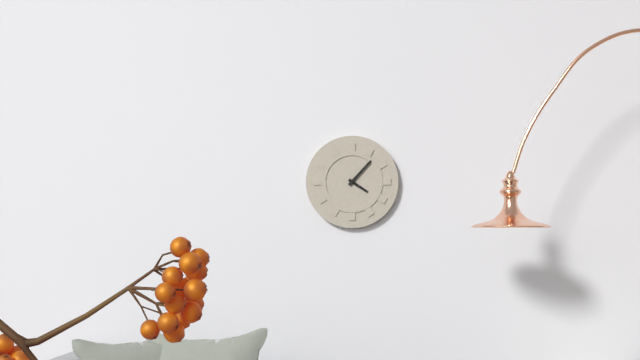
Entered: {"hour": 4, "minute": 7}
